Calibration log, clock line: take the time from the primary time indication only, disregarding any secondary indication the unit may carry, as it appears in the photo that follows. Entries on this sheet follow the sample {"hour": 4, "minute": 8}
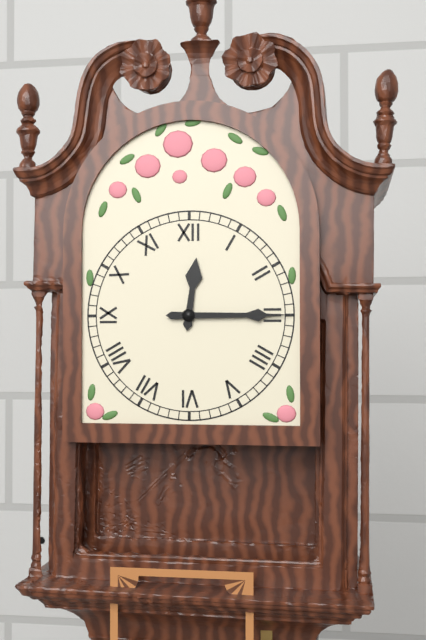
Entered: {"hour": 12, "minute": 15}
